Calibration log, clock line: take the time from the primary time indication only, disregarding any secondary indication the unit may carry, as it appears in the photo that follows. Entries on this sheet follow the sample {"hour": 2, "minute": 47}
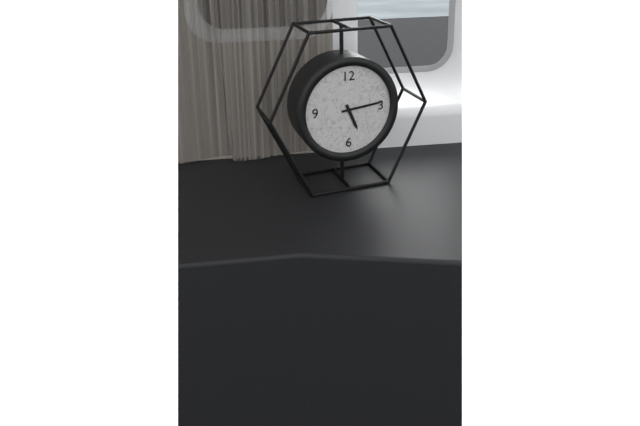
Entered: {"hour": 5, "minute": 14}
